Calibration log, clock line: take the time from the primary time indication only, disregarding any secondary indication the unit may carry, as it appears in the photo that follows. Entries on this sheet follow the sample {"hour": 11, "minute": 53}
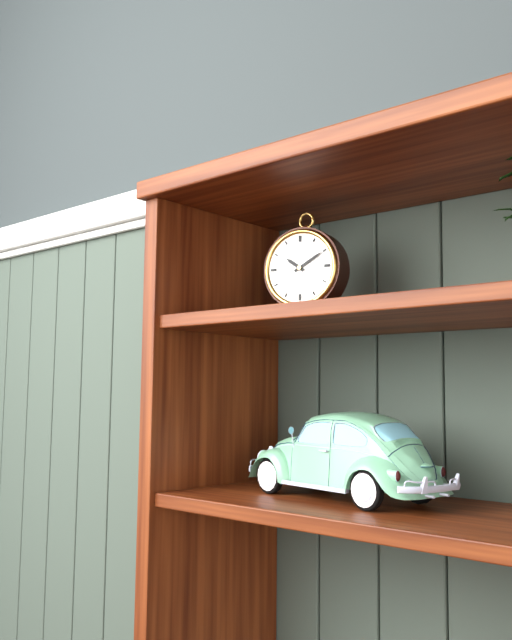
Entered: {"hour": 10, "minute": 10}
